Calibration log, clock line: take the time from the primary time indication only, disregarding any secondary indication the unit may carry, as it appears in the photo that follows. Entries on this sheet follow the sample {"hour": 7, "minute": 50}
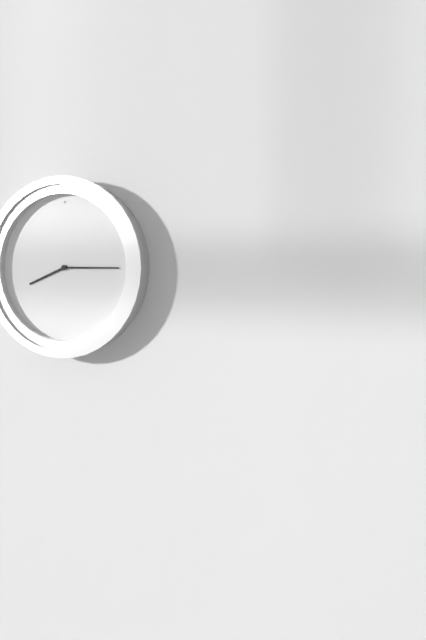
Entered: {"hour": 8, "minute": 15}
